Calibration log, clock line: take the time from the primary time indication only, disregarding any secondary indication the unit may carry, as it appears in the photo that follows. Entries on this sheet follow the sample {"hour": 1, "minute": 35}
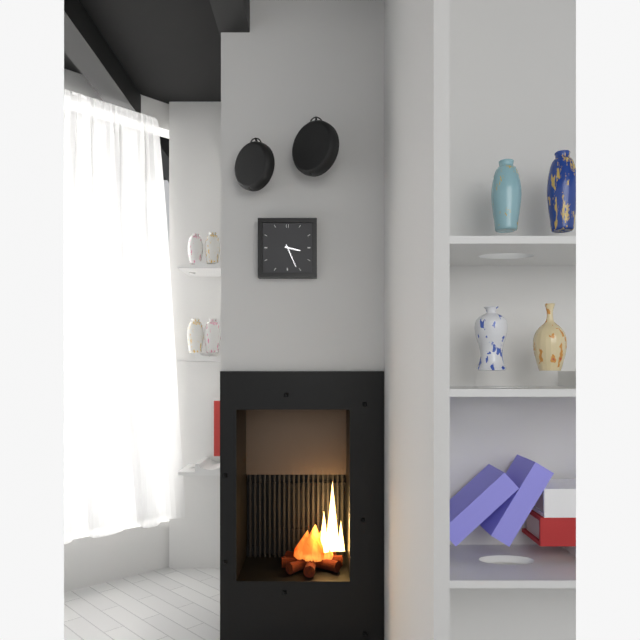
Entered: {"hour": 3, "minute": 26}
